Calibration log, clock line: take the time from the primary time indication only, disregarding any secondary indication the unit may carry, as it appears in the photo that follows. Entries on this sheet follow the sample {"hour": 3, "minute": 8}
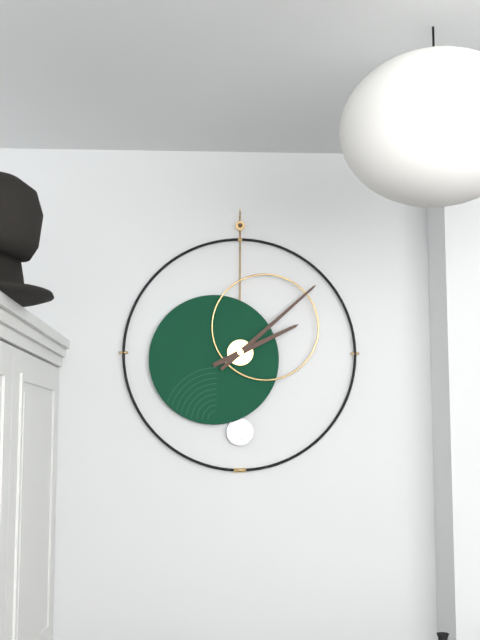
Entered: {"hour": 2, "minute": 8}
